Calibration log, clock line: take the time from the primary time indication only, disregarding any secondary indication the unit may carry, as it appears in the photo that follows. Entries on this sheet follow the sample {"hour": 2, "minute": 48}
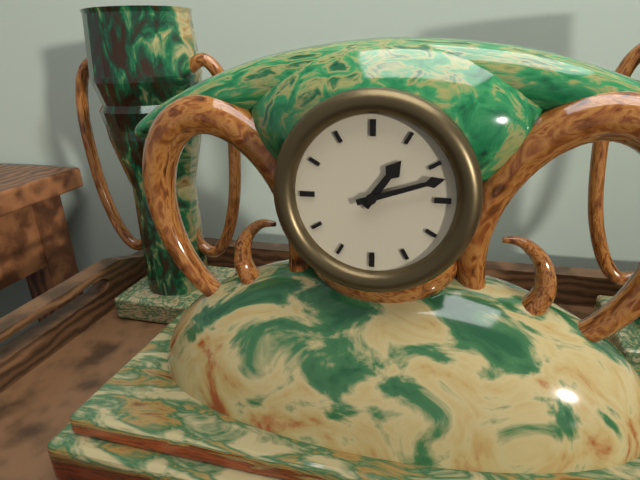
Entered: {"hour": 1, "minute": 12}
